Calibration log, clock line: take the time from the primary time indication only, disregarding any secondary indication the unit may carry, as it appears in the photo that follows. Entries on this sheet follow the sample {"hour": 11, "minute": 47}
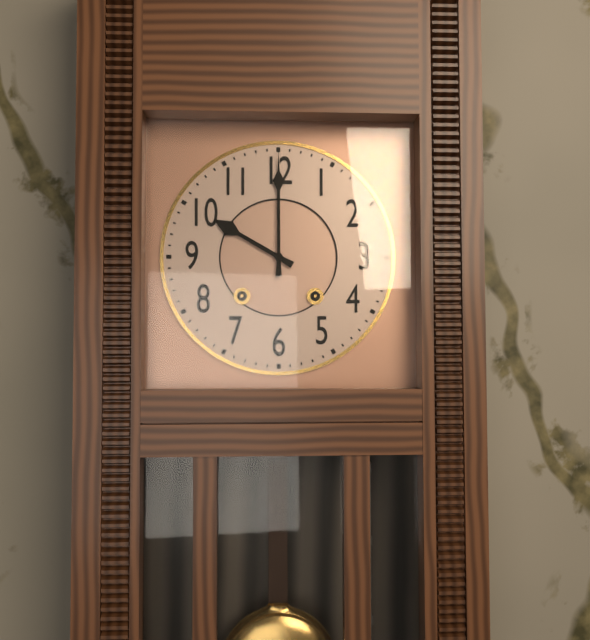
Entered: {"hour": 10, "minute": 0}
